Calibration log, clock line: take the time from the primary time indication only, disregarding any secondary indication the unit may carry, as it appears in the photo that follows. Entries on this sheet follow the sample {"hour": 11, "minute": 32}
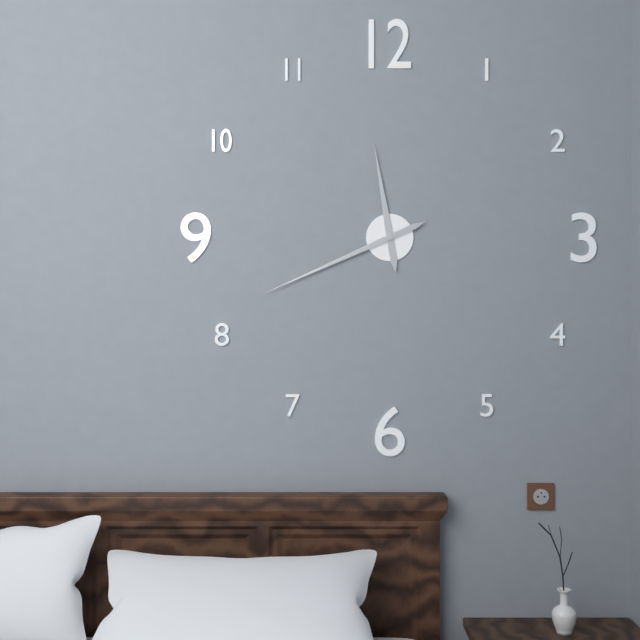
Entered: {"hour": 11, "minute": 41}
